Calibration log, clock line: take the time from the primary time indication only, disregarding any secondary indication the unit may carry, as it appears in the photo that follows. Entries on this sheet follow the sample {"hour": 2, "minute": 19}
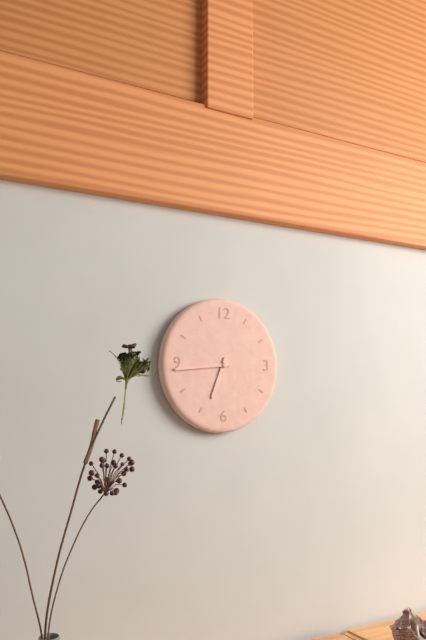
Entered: {"hour": 6, "minute": 44}
